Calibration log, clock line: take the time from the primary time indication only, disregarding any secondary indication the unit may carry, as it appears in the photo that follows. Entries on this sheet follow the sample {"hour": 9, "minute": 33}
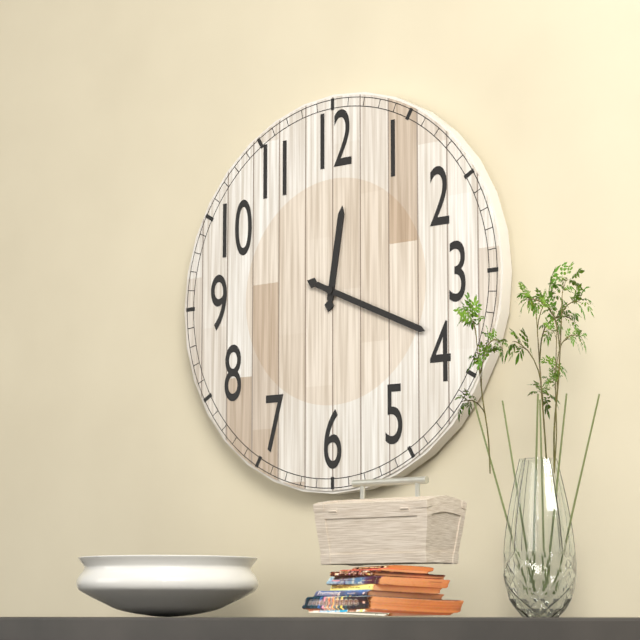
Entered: {"hour": 12, "minute": 19}
